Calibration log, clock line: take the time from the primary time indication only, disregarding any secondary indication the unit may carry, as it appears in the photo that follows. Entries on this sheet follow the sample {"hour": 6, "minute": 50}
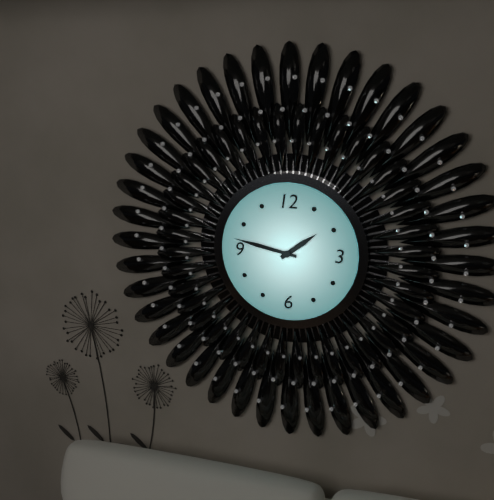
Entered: {"hour": 1, "minute": 47}
